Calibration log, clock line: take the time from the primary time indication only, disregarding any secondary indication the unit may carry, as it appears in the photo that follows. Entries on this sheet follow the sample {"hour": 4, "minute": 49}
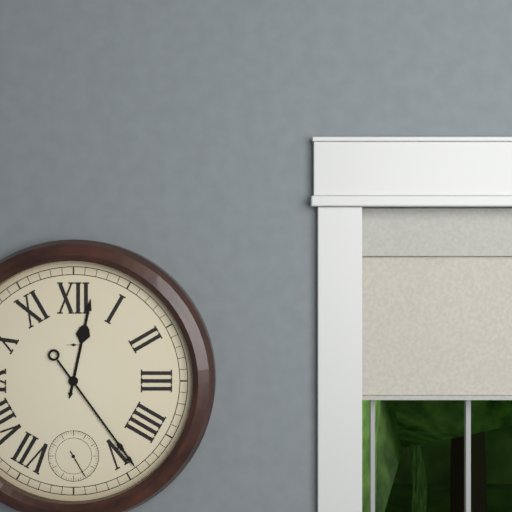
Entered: {"hour": 12, "minute": 24}
